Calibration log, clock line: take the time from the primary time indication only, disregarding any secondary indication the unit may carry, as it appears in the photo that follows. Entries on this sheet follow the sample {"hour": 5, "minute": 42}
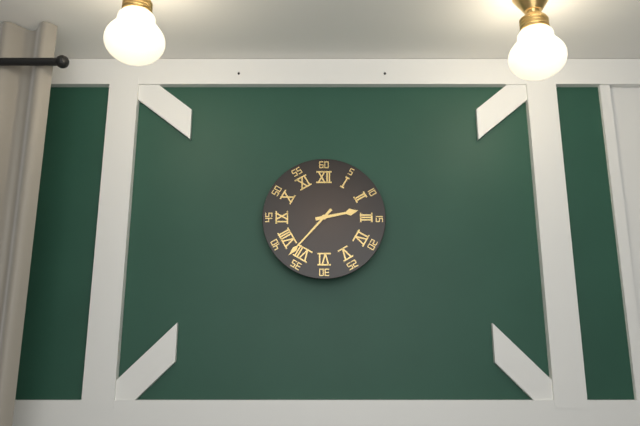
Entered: {"hour": 2, "minute": 37}
